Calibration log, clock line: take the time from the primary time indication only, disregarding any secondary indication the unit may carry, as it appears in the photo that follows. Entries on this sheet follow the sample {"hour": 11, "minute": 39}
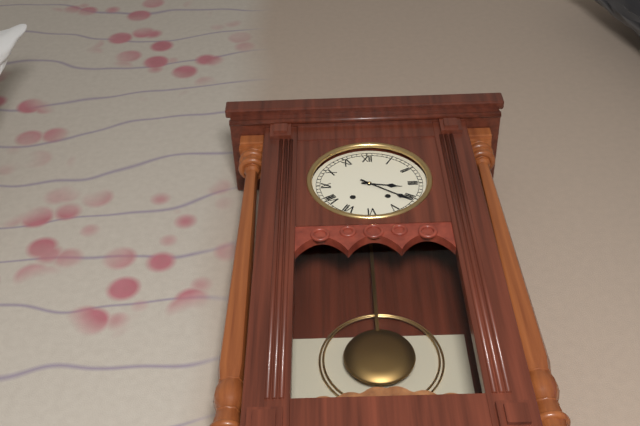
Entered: {"hour": 3, "minute": 21}
